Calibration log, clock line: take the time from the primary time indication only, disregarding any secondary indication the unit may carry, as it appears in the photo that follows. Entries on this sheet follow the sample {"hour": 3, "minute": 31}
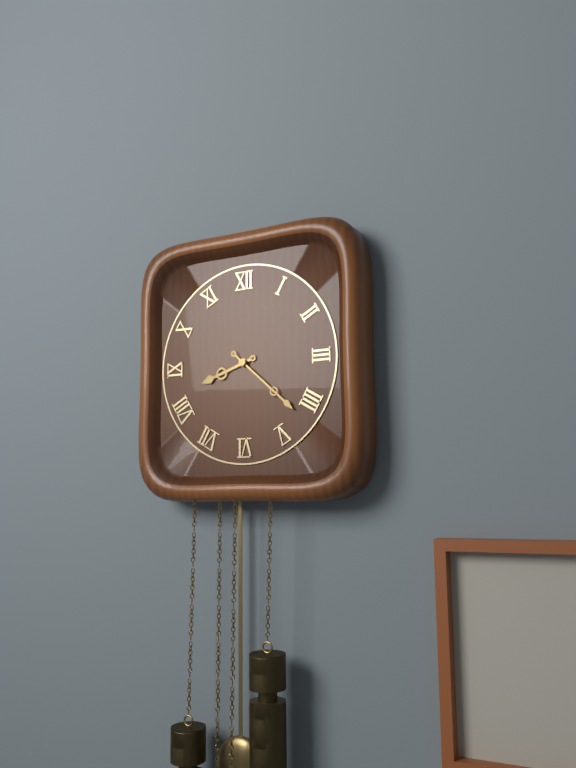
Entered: {"hour": 8, "minute": 22}
